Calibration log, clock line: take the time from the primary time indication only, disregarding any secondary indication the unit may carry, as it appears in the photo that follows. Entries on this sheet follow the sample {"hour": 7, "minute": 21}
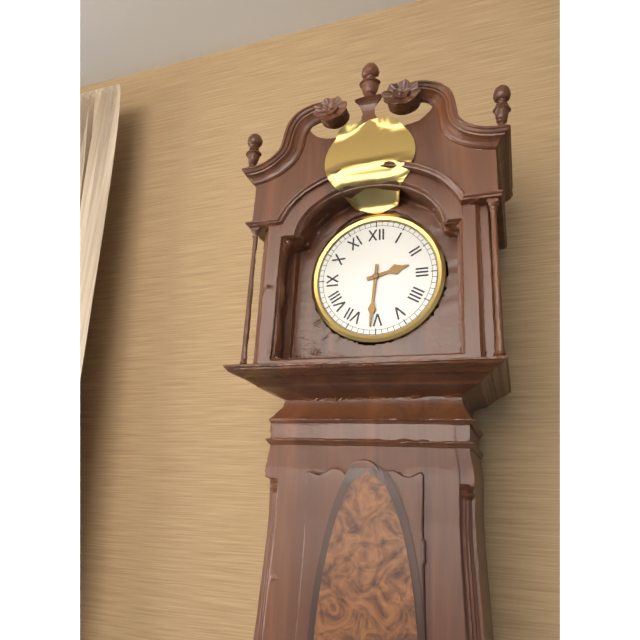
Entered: {"hour": 2, "minute": 31}
